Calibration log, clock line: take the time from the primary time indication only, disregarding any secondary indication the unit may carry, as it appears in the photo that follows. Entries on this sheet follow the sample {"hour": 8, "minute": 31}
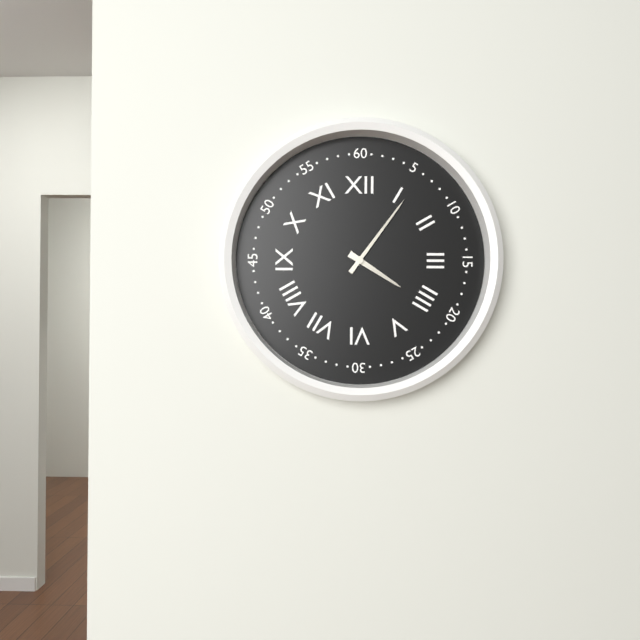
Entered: {"hour": 4, "minute": 6}
